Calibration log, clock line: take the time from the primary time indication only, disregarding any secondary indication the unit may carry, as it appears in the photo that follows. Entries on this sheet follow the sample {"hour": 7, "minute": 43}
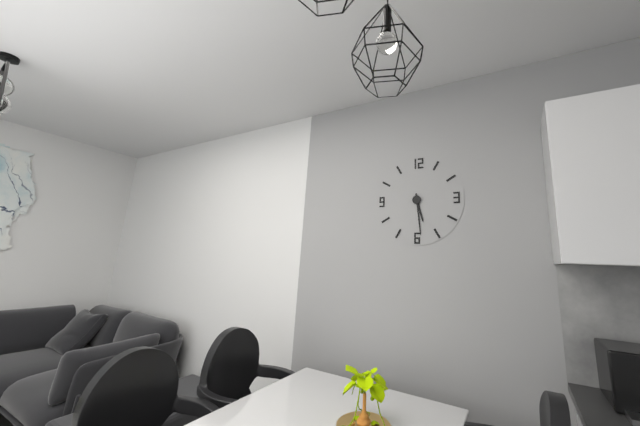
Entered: {"hour": 5, "minute": 29}
